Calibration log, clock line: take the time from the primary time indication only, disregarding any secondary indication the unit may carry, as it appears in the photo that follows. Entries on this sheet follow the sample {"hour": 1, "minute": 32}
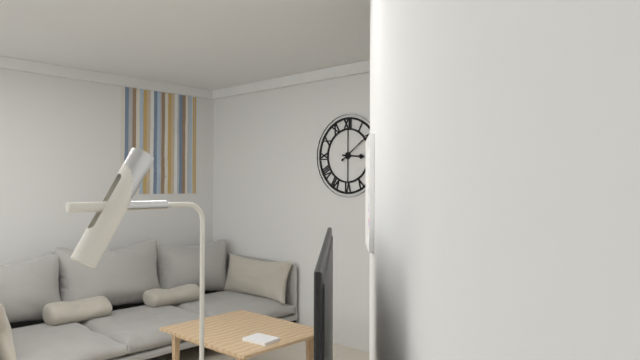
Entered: {"hour": 3, "minute": 9}
